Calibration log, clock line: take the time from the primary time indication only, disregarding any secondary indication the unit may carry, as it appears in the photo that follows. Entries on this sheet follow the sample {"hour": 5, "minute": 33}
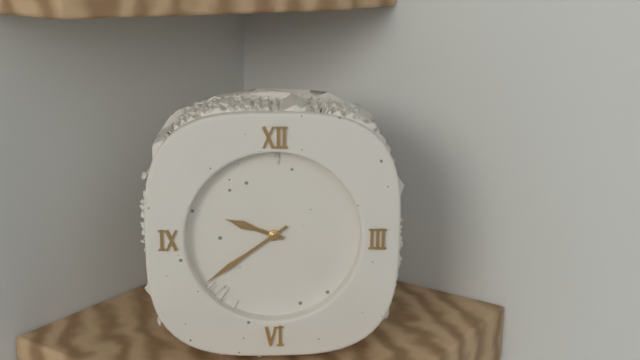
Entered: {"hour": 9, "minute": 39}
